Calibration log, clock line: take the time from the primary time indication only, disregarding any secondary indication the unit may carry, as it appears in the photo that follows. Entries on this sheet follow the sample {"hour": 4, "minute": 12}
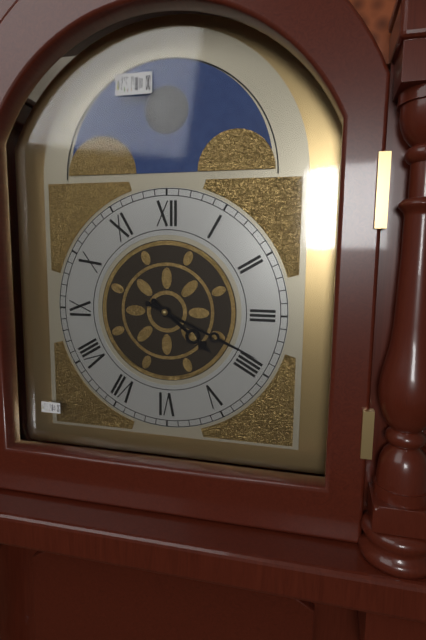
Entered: {"hour": 4, "minute": 19}
